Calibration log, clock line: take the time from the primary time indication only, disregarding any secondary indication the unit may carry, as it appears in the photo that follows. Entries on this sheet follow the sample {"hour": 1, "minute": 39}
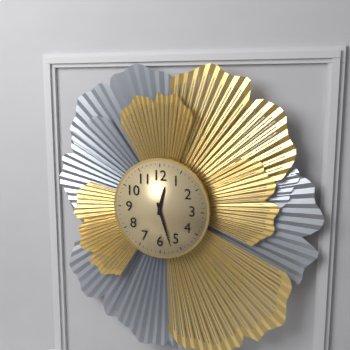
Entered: {"hour": 12, "minute": 27}
